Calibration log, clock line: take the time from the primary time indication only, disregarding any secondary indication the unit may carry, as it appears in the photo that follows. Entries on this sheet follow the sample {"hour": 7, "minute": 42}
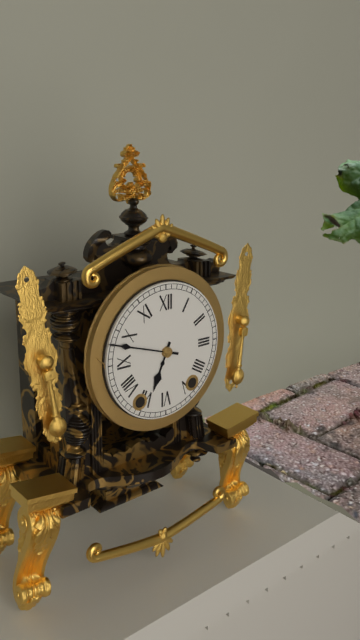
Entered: {"hour": 6, "minute": 48}
